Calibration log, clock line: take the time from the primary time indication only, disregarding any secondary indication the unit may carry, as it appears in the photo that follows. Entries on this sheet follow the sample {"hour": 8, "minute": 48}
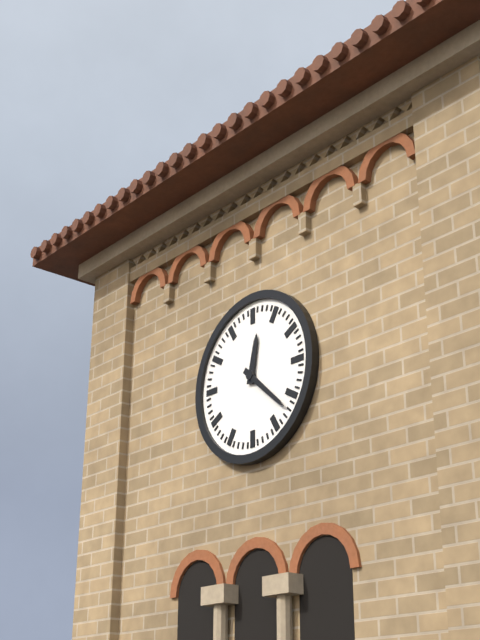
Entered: {"hour": 12, "minute": 22}
